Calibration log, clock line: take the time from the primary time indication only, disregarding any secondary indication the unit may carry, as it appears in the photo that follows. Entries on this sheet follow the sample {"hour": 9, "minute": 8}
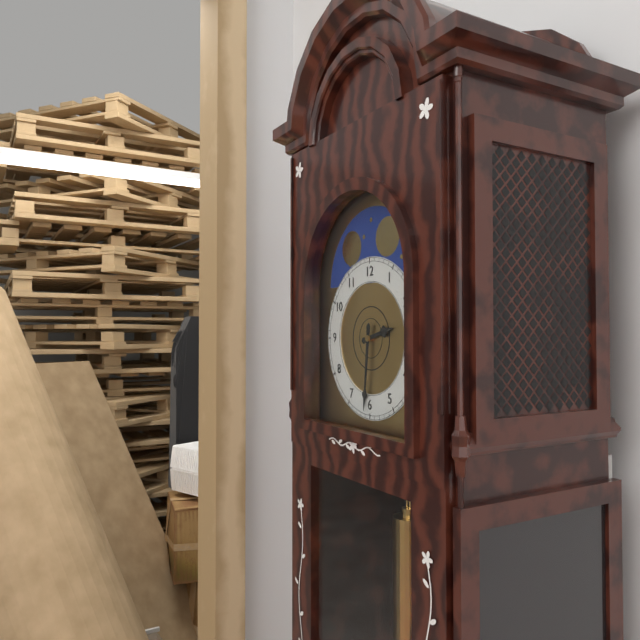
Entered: {"hour": 2, "minute": 31}
